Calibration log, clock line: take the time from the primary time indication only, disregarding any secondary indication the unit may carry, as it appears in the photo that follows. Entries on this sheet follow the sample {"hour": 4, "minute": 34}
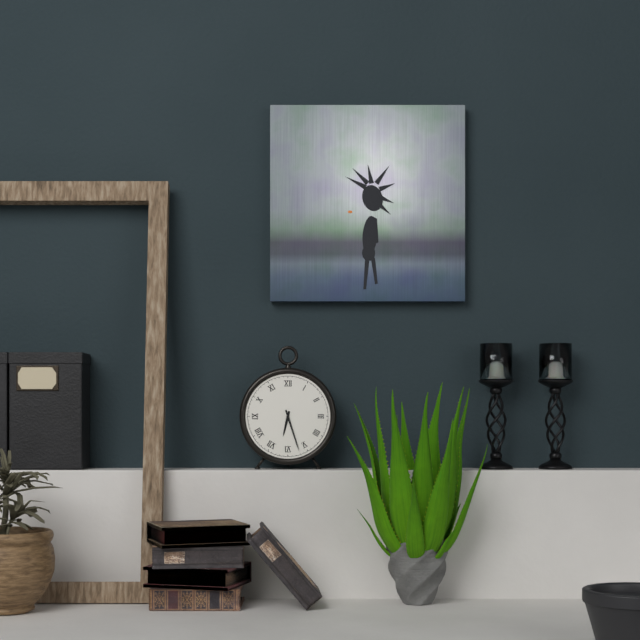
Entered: {"hour": 6, "minute": 27}
